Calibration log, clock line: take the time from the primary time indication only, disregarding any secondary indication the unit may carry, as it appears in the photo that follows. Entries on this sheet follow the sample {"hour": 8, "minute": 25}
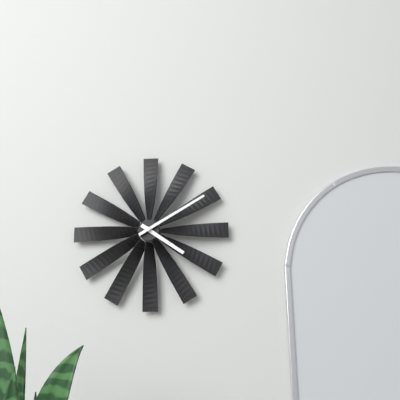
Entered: {"hour": 4, "minute": 10}
